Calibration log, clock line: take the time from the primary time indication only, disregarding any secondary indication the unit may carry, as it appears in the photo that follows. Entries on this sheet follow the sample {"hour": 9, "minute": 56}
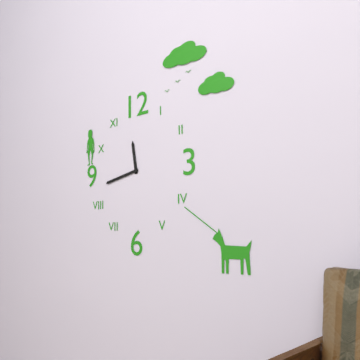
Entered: {"hour": 11, "minute": 43}
